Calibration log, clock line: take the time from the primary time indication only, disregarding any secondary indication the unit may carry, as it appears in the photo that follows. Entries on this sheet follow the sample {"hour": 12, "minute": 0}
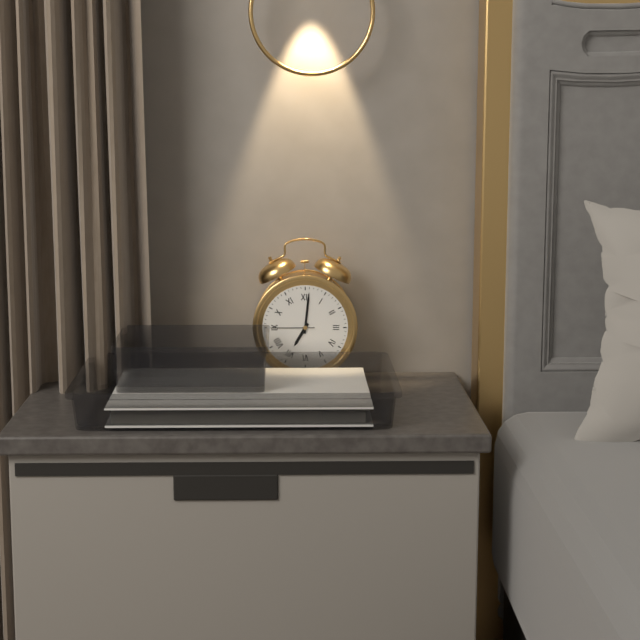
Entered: {"hour": 7, "minute": 1}
